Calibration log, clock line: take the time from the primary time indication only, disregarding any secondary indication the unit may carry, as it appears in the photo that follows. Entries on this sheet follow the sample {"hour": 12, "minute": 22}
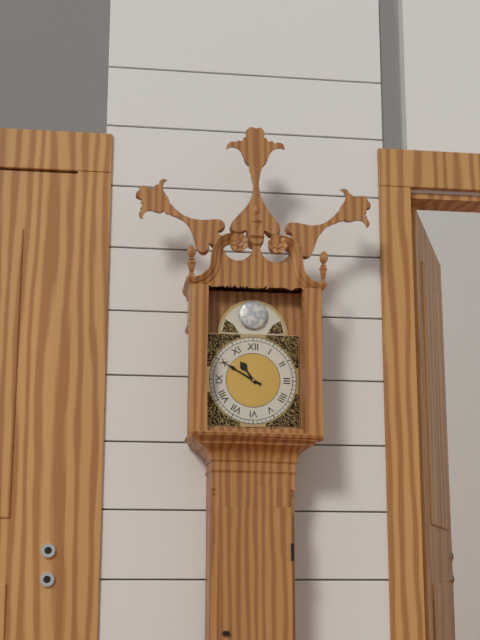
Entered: {"hour": 10, "minute": 50}
